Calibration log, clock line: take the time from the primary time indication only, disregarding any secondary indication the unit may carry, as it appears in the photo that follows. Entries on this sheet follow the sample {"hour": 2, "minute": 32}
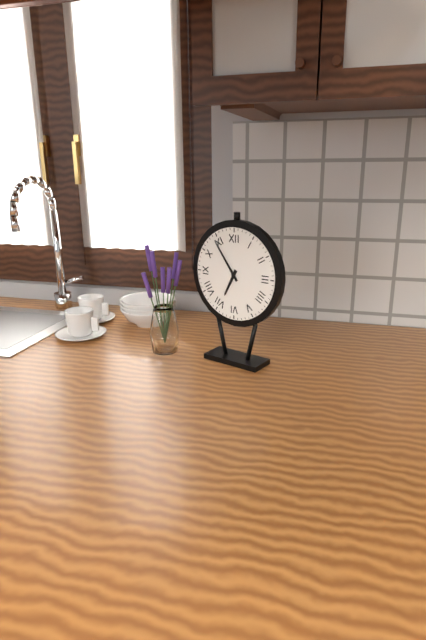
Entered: {"hour": 6, "minute": 54}
